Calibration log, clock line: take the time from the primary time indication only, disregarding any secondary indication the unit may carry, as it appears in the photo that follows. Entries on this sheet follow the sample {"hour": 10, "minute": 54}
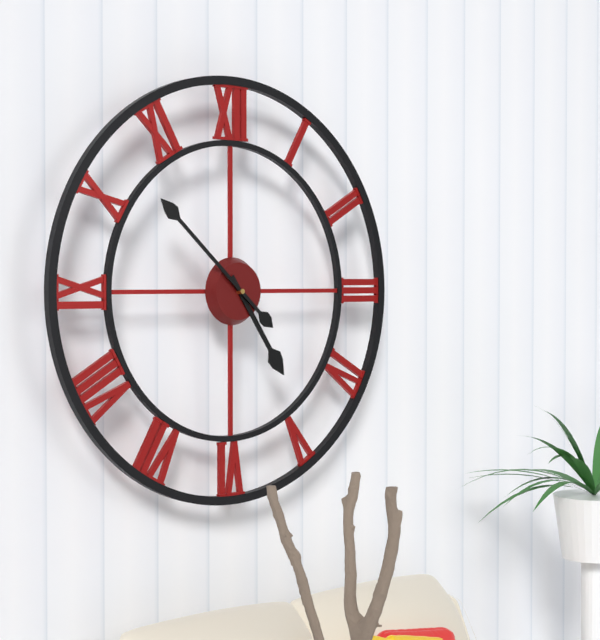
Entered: {"hour": 4, "minute": 52}
